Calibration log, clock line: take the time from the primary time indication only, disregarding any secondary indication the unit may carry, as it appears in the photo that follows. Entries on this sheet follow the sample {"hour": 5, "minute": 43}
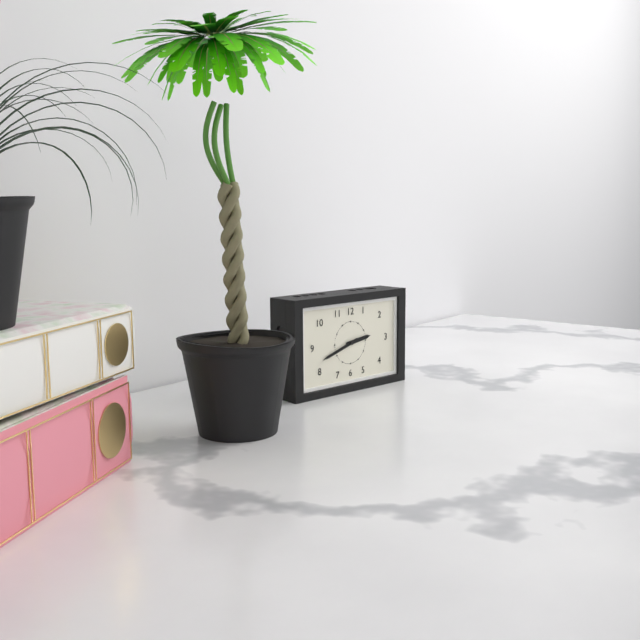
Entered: {"hour": 2, "minute": 42}
